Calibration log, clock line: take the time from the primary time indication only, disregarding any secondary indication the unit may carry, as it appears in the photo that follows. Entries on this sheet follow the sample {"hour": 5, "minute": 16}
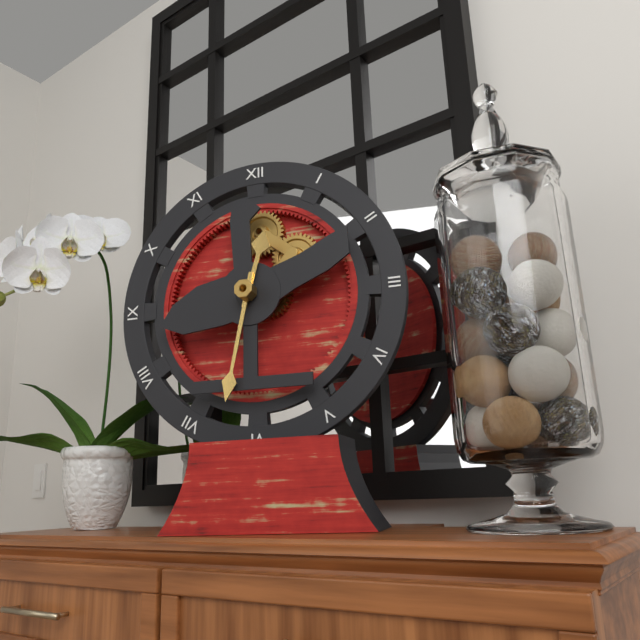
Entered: {"hour": 12, "minute": 32}
